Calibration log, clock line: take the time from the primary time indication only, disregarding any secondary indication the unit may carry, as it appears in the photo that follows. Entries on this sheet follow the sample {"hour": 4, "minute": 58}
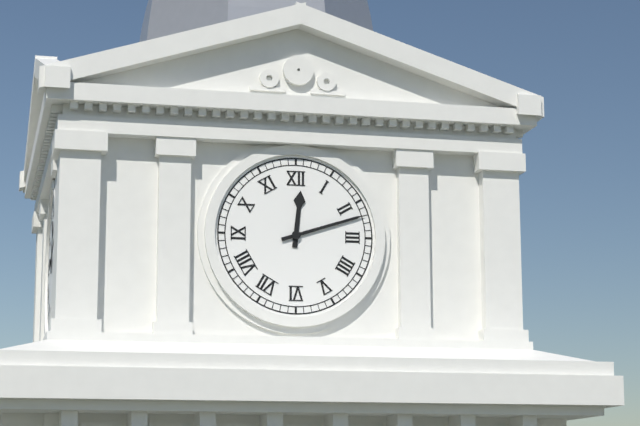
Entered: {"hour": 12, "minute": 12}
